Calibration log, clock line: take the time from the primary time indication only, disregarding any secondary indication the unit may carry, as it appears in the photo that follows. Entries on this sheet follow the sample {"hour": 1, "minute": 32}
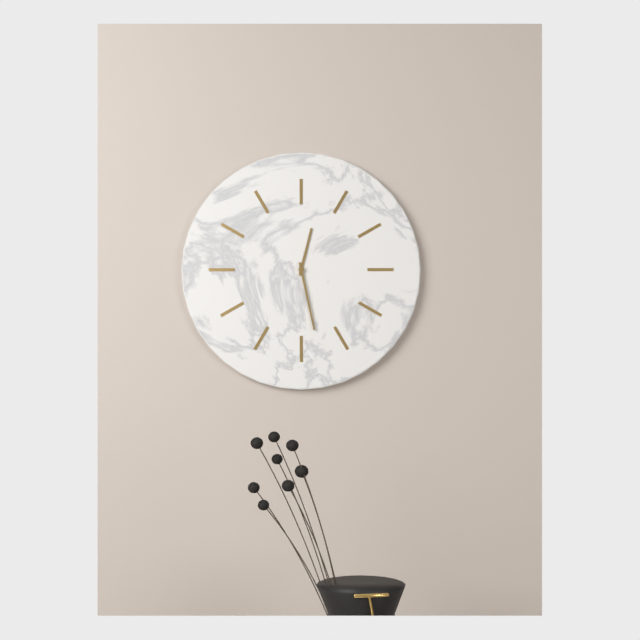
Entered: {"hour": 12, "minute": 28}
